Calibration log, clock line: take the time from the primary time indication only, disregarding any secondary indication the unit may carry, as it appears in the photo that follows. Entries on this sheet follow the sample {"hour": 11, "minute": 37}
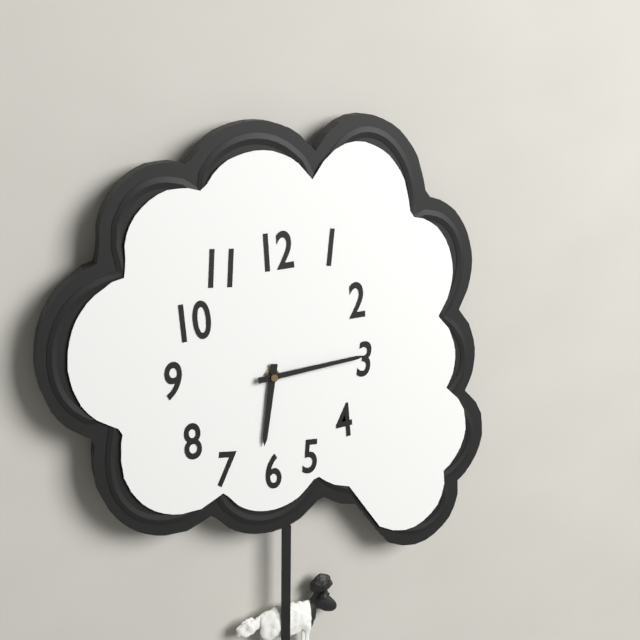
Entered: {"hour": 6, "minute": 14}
